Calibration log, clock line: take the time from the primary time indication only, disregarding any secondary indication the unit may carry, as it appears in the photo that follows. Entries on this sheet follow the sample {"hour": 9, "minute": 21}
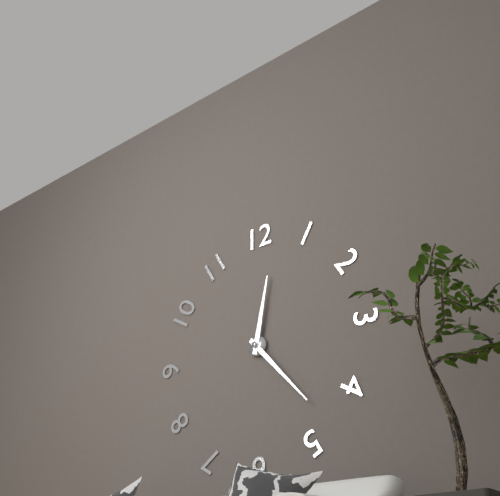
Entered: {"hour": 12, "minute": 23}
